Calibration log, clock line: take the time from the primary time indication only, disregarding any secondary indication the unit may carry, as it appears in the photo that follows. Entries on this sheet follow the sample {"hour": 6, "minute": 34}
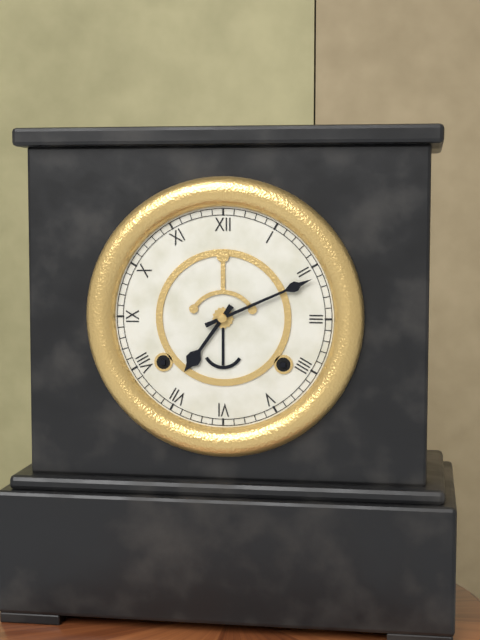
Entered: {"hour": 7, "minute": 11}
